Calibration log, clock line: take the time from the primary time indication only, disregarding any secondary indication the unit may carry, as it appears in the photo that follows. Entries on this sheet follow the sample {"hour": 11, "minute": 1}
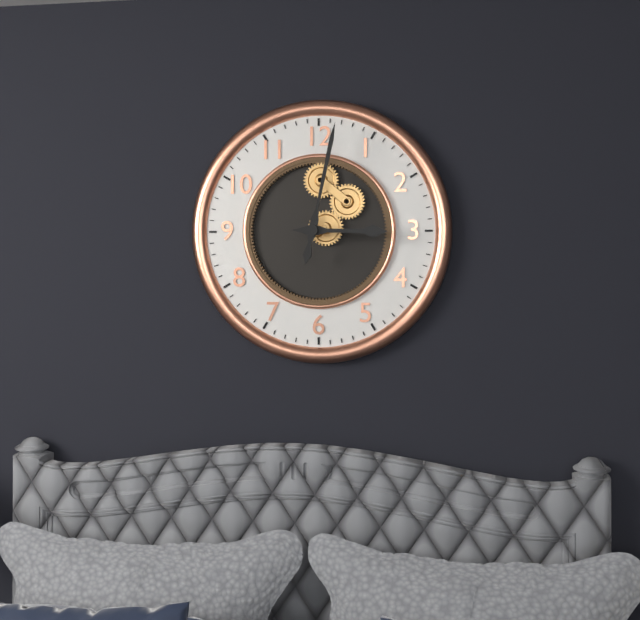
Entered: {"hour": 3, "minute": 2}
